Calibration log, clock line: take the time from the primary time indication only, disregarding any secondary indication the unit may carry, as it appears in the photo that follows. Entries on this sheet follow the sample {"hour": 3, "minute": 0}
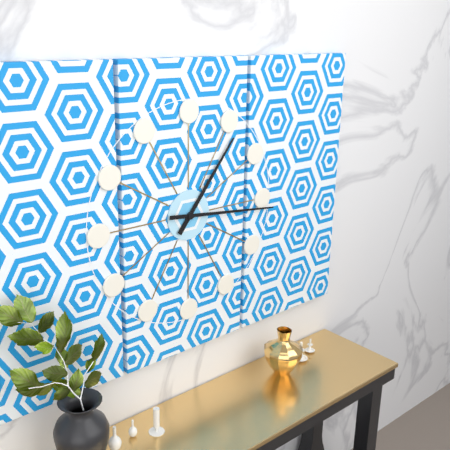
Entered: {"hour": 1, "minute": 16}
